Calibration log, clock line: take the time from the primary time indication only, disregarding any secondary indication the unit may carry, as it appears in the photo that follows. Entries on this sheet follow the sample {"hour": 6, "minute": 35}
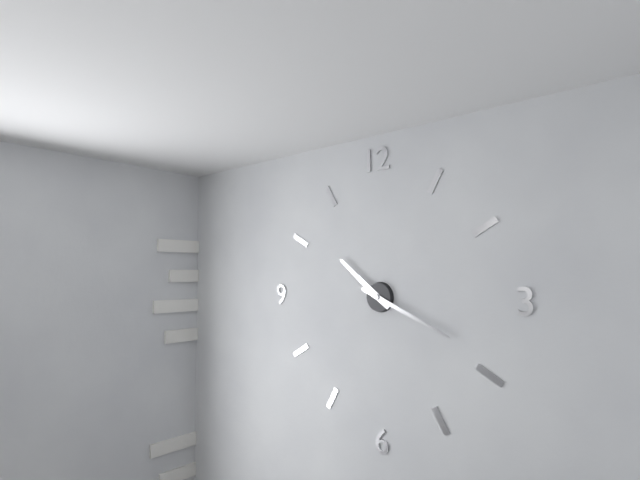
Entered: {"hour": 10, "minute": 19}
